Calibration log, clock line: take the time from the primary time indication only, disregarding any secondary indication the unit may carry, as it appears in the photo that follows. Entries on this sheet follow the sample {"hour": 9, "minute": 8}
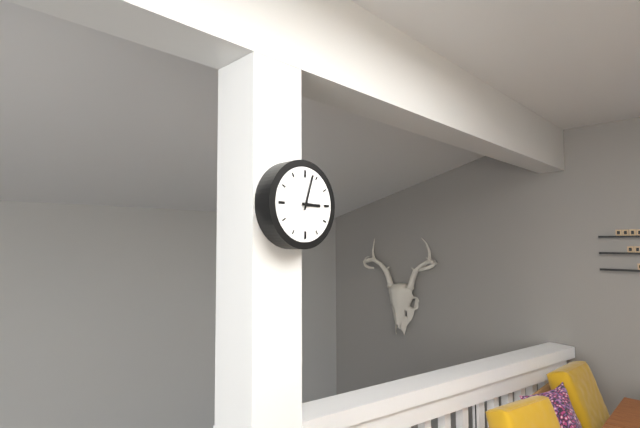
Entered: {"hour": 3, "minute": 3}
